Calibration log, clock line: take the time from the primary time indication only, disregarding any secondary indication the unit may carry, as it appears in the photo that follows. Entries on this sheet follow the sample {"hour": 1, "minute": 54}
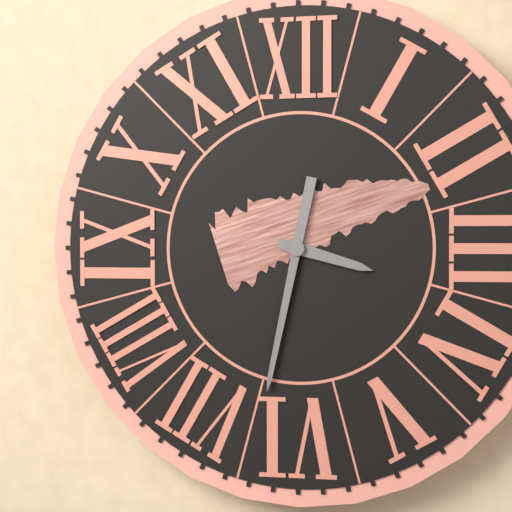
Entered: {"hour": 3, "minute": 32}
